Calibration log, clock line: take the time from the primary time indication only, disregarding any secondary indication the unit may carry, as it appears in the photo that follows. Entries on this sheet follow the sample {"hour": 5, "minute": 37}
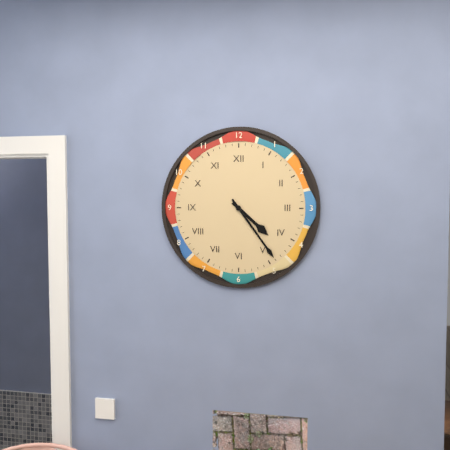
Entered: {"hour": 4, "minute": 24}
